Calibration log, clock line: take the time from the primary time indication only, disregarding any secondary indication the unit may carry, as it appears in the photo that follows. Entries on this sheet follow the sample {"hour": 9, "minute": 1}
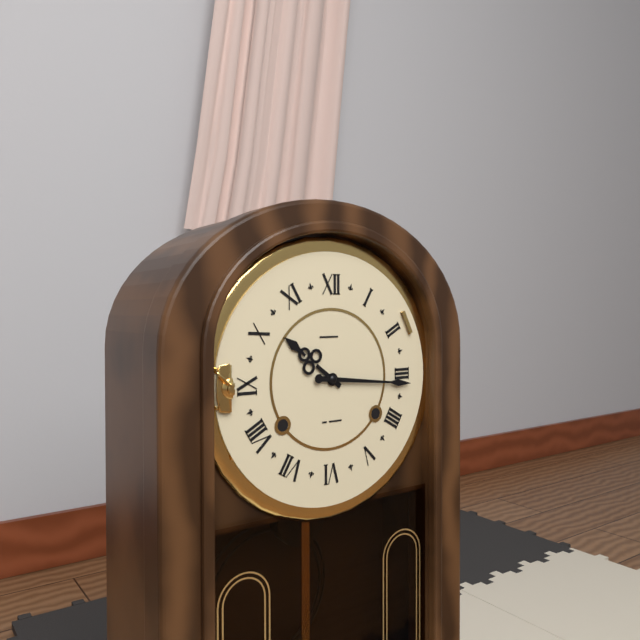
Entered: {"hour": 10, "minute": 16}
